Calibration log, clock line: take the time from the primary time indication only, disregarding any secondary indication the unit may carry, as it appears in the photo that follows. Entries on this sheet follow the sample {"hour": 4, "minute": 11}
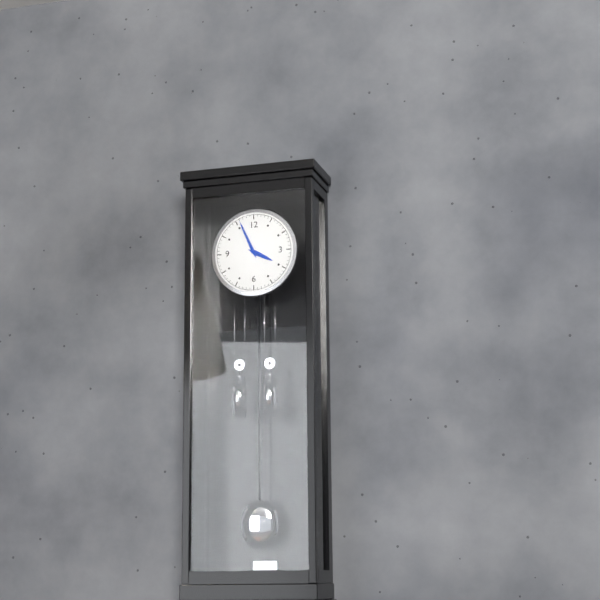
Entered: {"hour": 3, "minute": 56}
